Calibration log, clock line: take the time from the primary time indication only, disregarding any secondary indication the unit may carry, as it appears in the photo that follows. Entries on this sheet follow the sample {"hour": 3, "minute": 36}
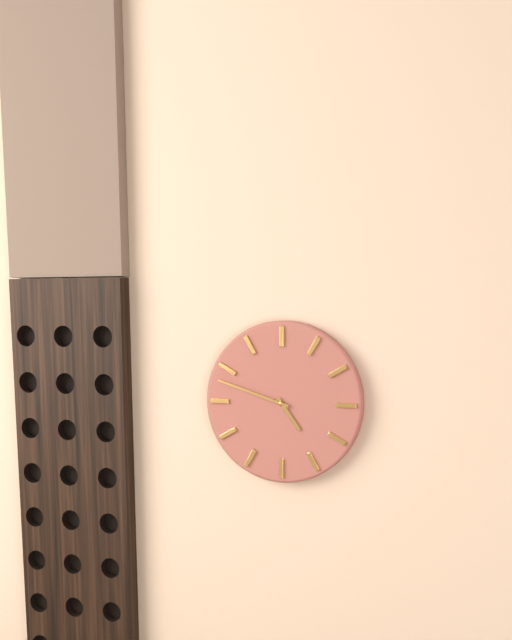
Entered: {"hour": 4, "minute": 48}
